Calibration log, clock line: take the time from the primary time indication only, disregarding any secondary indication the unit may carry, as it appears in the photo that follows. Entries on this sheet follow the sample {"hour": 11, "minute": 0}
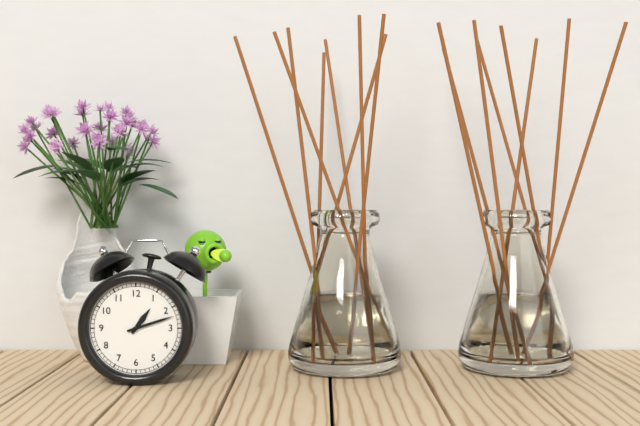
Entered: {"hour": 1, "minute": 12}
